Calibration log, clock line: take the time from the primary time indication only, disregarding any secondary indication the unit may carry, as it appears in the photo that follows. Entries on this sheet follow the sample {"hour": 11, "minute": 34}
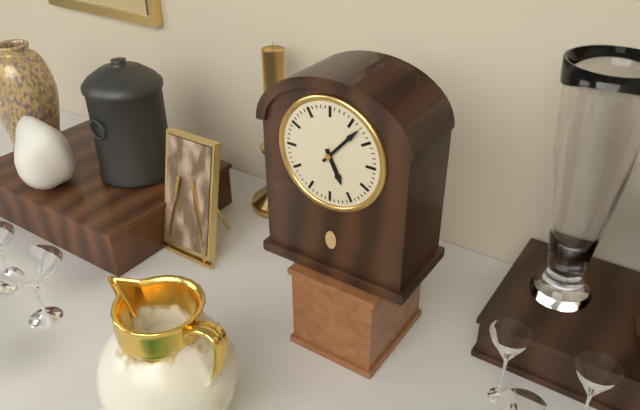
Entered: {"hour": 5, "minute": 7}
